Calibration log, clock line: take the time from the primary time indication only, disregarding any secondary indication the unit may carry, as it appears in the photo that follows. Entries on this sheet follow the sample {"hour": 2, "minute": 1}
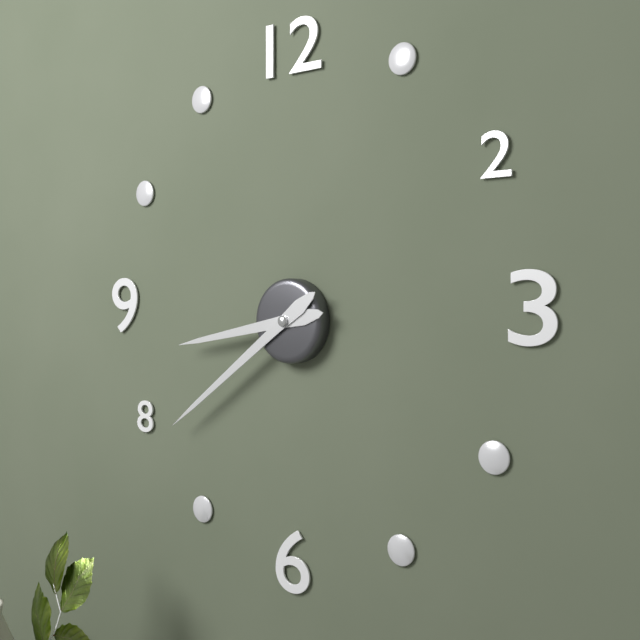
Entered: {"hour": 8, "minute": 39}
